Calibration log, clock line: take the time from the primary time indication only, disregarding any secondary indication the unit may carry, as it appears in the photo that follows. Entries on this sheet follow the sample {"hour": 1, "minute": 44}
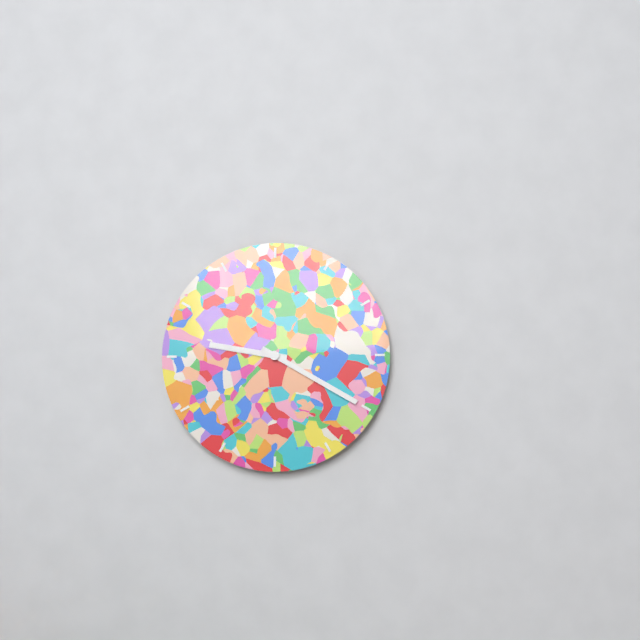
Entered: {"hour": 9, "minute": 20}
